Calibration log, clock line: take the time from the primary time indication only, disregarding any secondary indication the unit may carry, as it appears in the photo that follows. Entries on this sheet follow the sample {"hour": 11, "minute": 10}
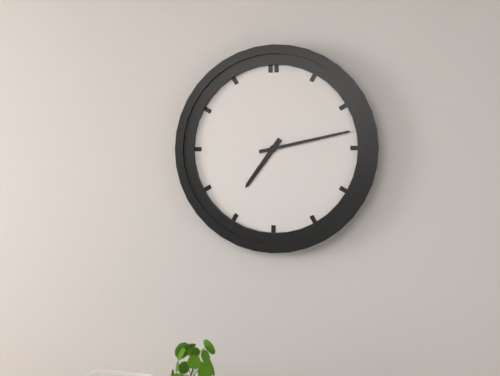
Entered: {"hour": 7, "minute": 13}
